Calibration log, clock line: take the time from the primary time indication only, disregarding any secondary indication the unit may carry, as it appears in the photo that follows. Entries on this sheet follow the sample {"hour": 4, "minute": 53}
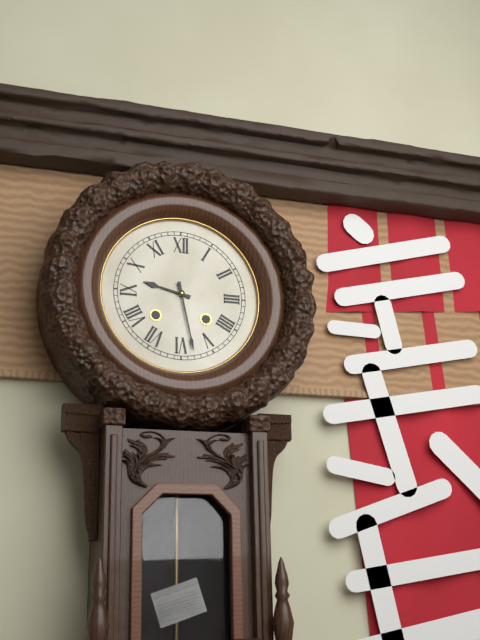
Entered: {"hour": 9, "minute": 28}
